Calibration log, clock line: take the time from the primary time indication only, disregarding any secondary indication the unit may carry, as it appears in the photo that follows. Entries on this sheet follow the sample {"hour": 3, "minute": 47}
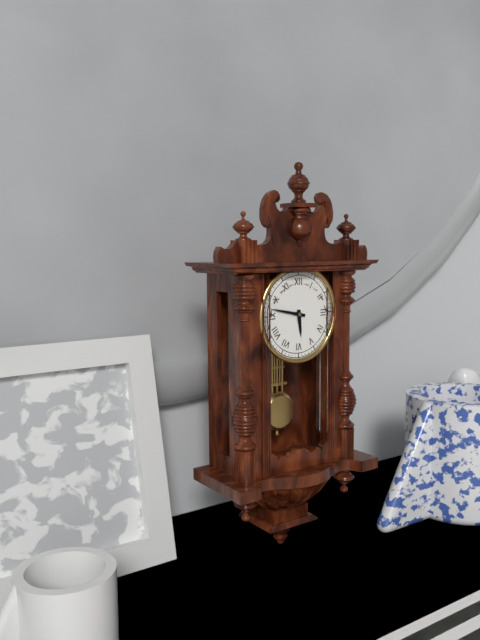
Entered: {"hour": 5, "minute": 47}
